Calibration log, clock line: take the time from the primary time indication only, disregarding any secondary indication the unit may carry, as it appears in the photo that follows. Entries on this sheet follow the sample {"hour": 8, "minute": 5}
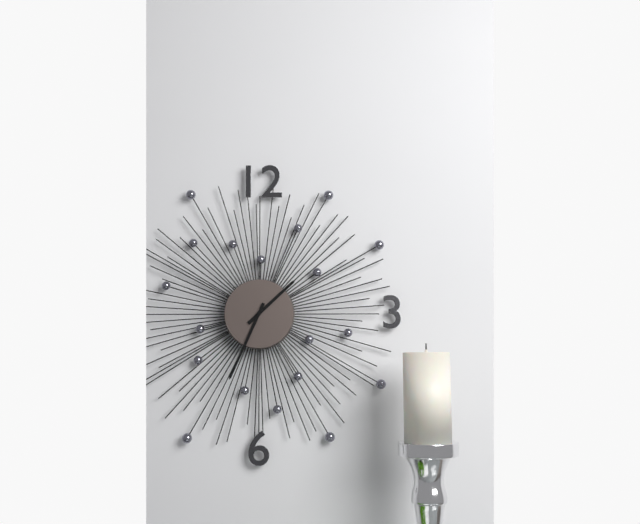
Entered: {"hour": 1, "minute": 34}
